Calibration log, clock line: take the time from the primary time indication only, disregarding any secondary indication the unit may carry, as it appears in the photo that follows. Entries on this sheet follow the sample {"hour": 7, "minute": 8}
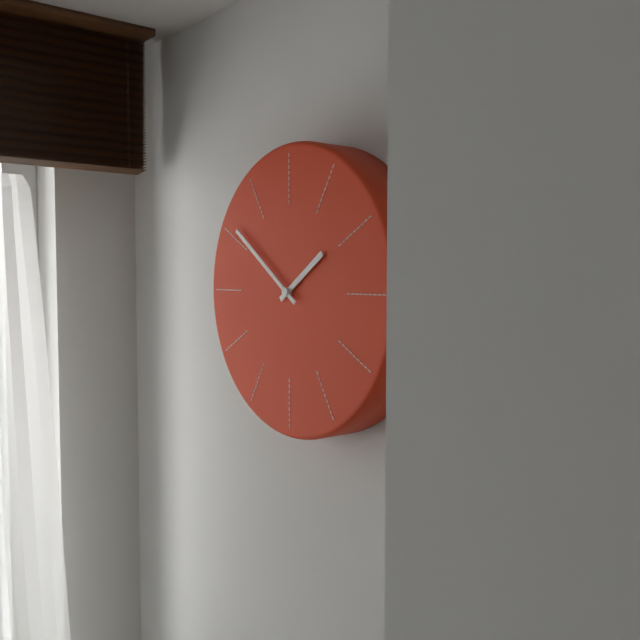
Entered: {"hour": 1, "minute": 51}
